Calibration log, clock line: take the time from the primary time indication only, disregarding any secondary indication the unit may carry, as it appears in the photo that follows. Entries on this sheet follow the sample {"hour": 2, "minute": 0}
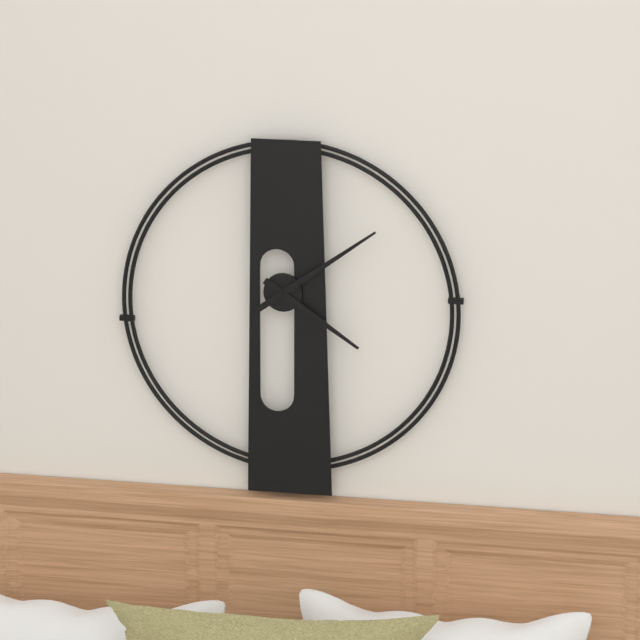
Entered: {"hour": 4, "minute": 9}
